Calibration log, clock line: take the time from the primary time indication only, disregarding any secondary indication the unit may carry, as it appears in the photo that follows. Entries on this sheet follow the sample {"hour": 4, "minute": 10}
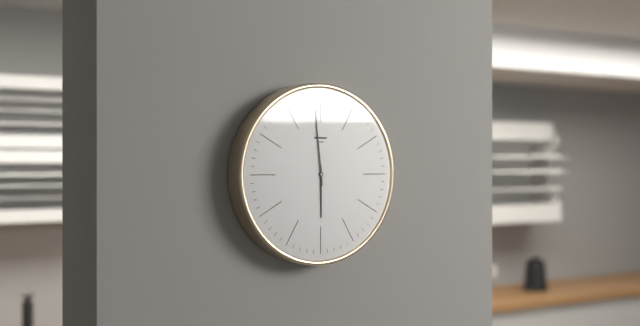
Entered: {"hour": 5, "minute": 59}
